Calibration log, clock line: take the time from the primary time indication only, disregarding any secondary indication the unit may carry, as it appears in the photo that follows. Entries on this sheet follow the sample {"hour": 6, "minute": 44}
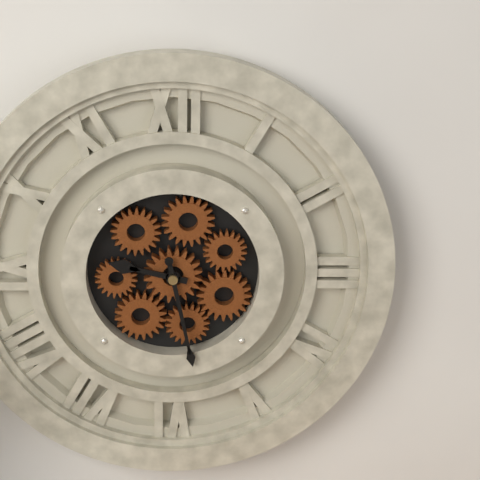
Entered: {"hour": 9, "minute": 28}
